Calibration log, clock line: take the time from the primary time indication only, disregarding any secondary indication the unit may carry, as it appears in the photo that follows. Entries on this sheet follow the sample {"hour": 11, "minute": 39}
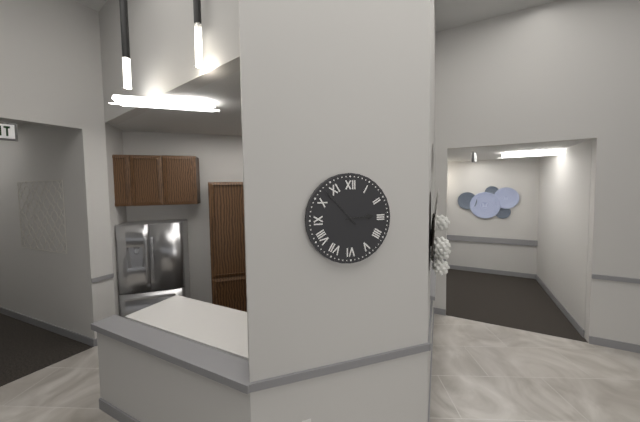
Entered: {"hour": 2, "minute": 53}
